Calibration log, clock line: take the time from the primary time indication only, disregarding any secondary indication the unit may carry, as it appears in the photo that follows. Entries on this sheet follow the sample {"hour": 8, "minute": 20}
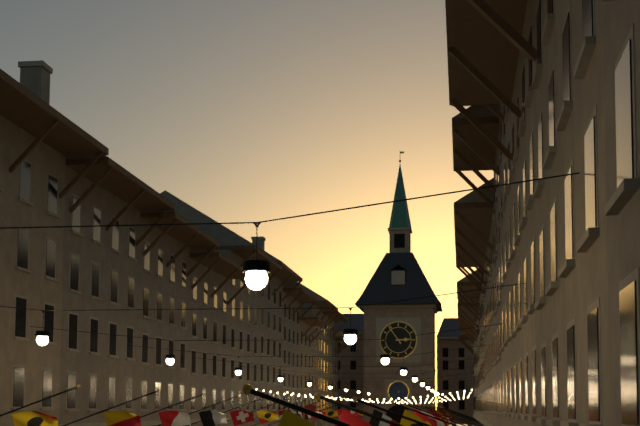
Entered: {"hour": 2, "minute": 54}
